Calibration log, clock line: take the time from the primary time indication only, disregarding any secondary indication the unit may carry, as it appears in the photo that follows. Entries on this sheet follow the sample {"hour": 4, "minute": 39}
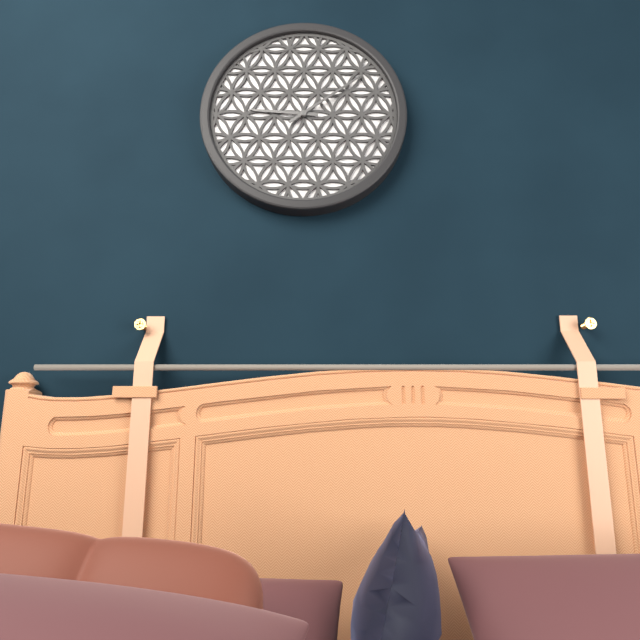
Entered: {"hour": 9, "minute": 9}
